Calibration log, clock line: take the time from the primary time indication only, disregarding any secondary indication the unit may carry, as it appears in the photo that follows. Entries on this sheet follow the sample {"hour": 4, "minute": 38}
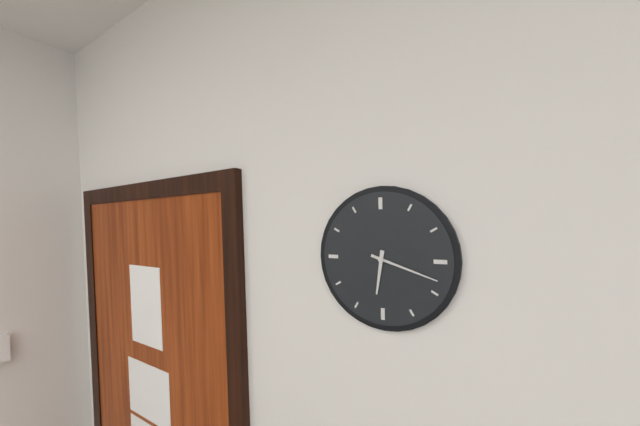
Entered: {"hour": 6, "minute": 18}
